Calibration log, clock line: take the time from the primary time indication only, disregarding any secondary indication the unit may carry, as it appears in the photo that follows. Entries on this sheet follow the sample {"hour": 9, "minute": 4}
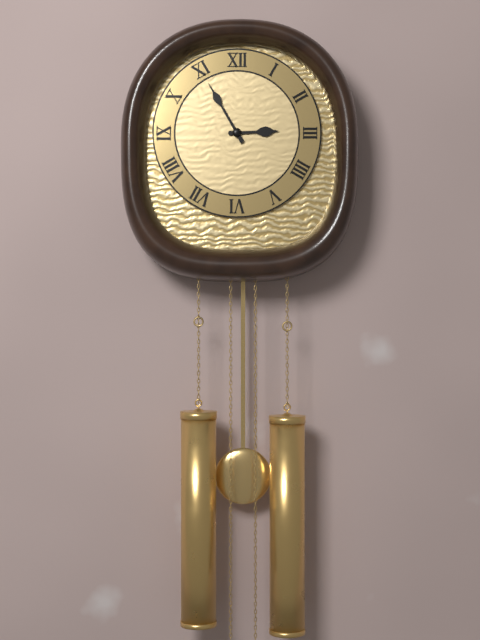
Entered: {"hour": 2, "minute": 55}
